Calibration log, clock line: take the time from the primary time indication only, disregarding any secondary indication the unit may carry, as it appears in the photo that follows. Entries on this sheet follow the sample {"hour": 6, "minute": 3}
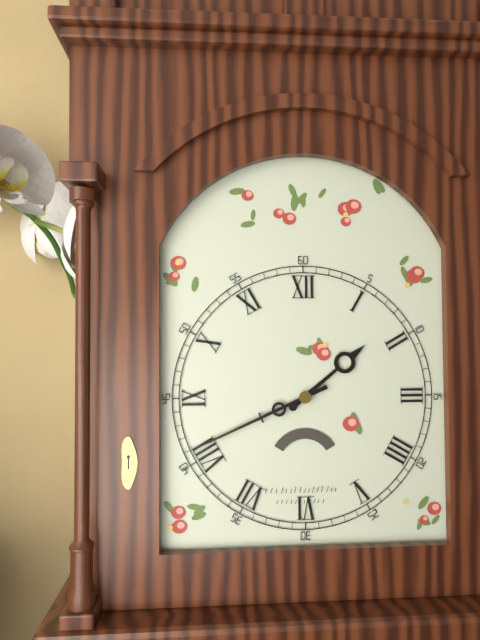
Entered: {"hour": 1, "minute": 41}
